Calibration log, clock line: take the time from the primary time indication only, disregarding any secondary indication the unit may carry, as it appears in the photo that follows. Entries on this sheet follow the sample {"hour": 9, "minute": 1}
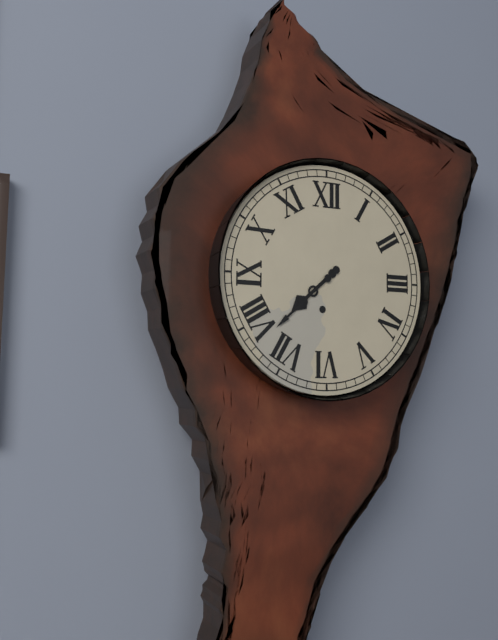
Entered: {"hour": 7, "minute": 38}
